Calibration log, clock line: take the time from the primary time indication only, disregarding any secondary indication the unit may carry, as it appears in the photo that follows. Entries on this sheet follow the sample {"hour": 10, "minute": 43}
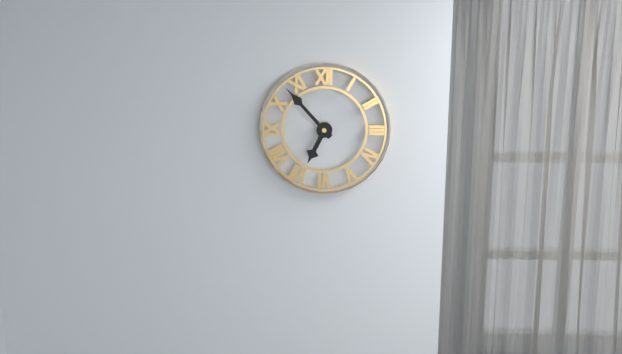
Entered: {"hour": 6, "minute": 53}
